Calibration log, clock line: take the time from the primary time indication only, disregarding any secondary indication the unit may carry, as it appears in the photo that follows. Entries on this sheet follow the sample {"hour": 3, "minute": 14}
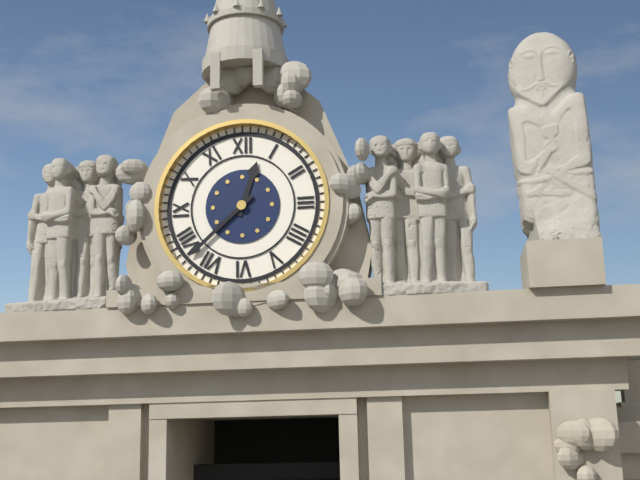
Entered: {"hour": 12, "minute": 38}
